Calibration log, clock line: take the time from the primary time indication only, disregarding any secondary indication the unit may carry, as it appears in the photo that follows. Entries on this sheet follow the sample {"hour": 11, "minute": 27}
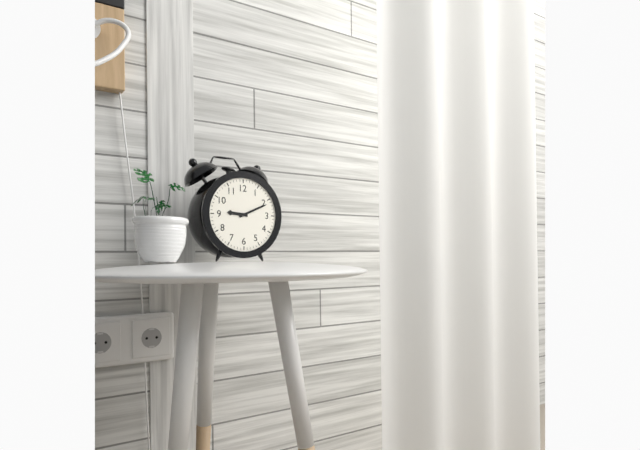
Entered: {"hour": 9, "minute": 11}
